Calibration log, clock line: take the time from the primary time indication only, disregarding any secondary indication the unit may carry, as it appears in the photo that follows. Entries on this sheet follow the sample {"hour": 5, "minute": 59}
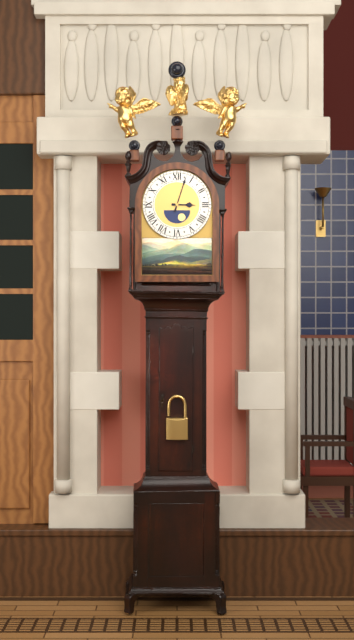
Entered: {"hour": 3, "minute": 3}
